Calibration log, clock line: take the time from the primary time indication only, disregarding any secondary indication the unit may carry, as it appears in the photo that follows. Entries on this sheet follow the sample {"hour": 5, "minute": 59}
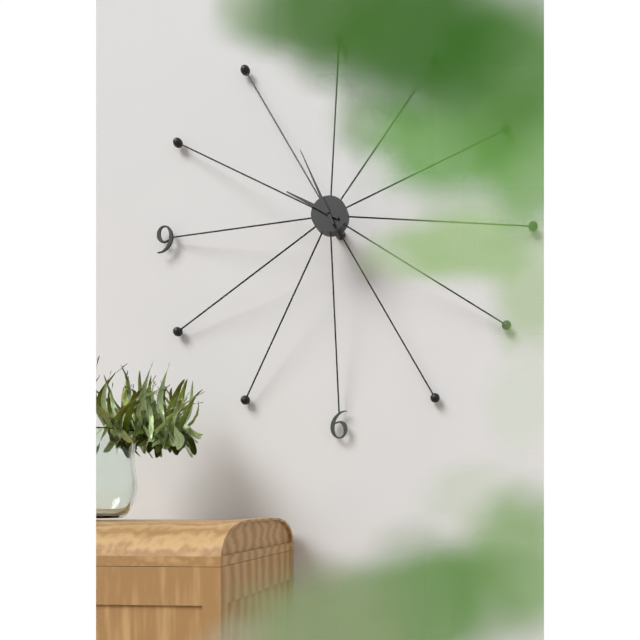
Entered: {"hour": 9, "minute": 56}
